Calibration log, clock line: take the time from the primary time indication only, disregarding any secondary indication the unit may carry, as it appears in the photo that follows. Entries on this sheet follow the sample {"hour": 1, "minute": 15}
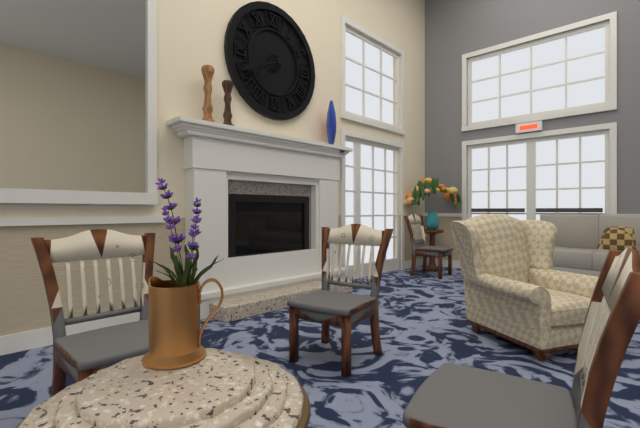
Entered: {"hour": 7, "minute": 41}
